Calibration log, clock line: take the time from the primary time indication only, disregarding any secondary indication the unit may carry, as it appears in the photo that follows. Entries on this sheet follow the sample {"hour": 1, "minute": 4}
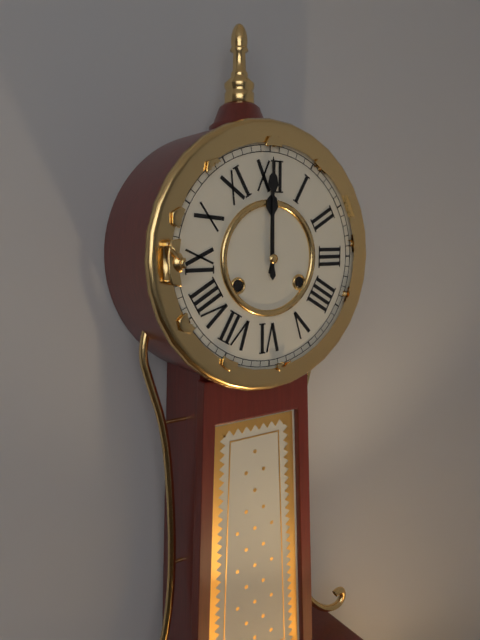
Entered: {"hour": 12, "minute": 0}
